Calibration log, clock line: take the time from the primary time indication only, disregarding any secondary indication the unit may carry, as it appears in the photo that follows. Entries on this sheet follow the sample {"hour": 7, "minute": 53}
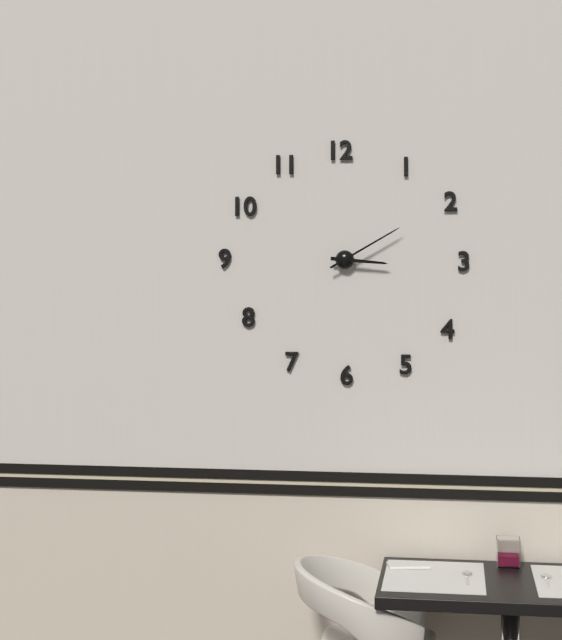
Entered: {"hour": 3, "minute": 10}
